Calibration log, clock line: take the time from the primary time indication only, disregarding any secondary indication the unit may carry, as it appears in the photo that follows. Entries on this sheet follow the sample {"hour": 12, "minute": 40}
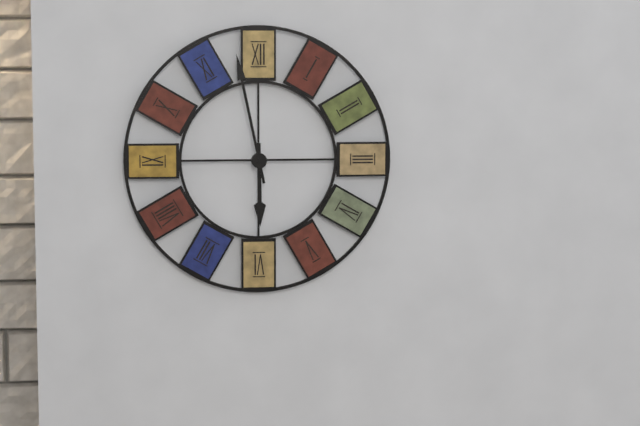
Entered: {"hour": 5, "minute": 58}
